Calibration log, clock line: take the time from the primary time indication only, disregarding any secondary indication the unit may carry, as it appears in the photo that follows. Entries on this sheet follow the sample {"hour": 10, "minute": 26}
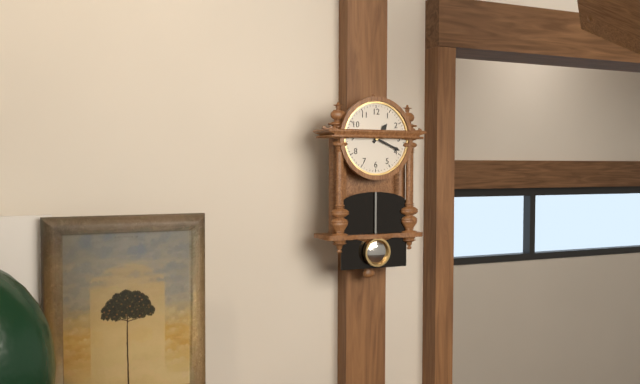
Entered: {"hour": 1, "minute": 19}
